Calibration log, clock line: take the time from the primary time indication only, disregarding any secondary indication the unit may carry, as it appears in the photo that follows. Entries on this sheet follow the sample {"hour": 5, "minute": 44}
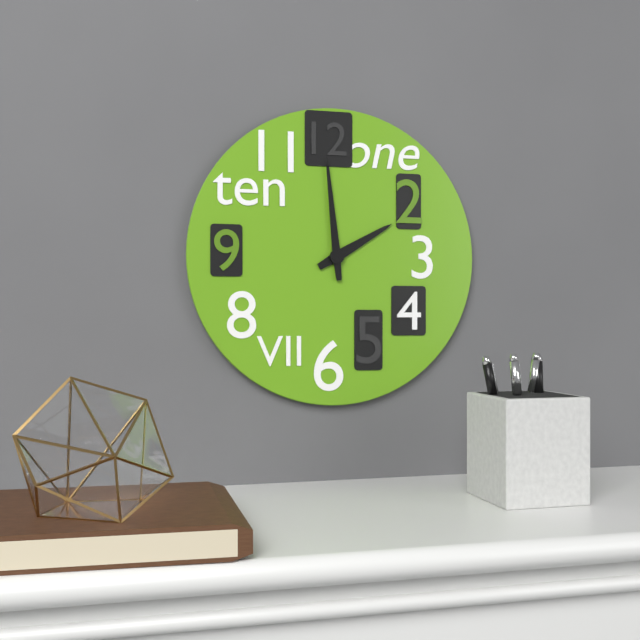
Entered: {"hour": 1, "minute": 59}
